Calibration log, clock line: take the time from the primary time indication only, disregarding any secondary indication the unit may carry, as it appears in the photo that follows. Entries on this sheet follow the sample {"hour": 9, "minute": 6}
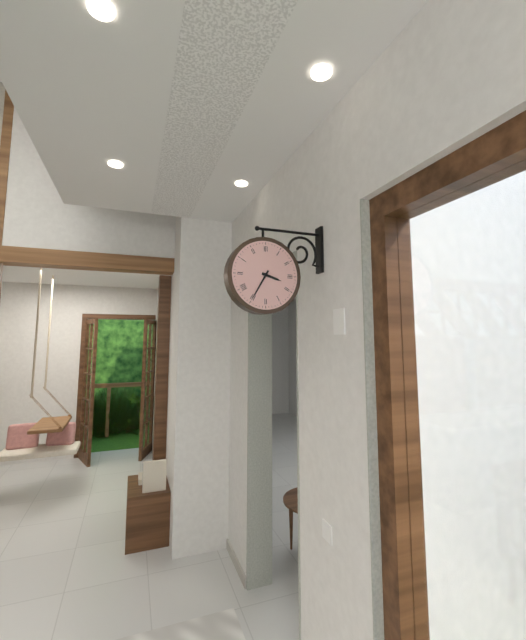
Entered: {"hour": 3, "minute": 35}
